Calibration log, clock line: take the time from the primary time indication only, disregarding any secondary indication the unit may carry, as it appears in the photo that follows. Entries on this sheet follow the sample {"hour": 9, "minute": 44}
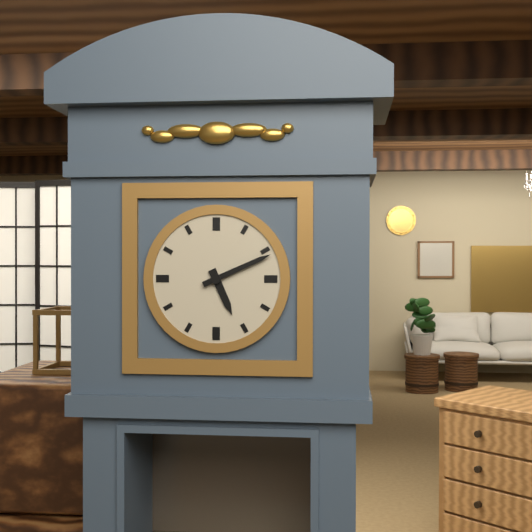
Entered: {"hour": 5, "minute": 11}
